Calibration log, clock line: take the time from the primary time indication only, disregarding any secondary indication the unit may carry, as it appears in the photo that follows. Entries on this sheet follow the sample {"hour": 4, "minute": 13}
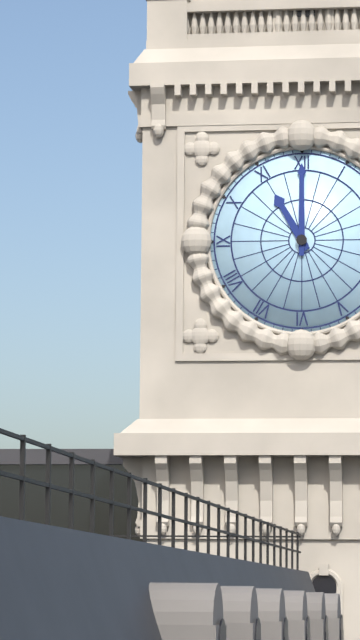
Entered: {"hour": 11, "minute": 0}
